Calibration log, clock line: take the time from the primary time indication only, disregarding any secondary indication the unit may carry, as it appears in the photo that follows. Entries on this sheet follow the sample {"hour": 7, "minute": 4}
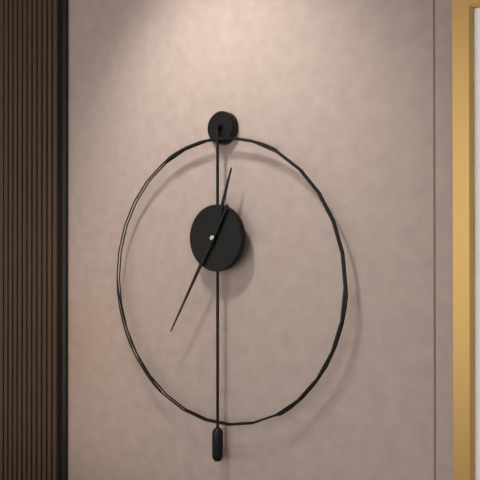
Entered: {"hour": 12, "minute": 35}
